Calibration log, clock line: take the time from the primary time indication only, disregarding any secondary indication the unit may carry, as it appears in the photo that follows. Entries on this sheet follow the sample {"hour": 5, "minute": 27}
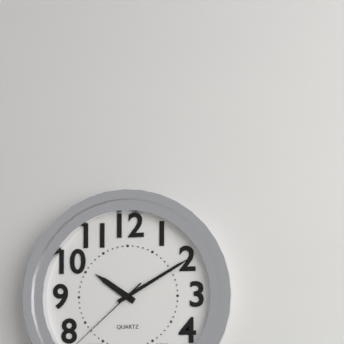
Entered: {"hour": 10, "minute": 10}
